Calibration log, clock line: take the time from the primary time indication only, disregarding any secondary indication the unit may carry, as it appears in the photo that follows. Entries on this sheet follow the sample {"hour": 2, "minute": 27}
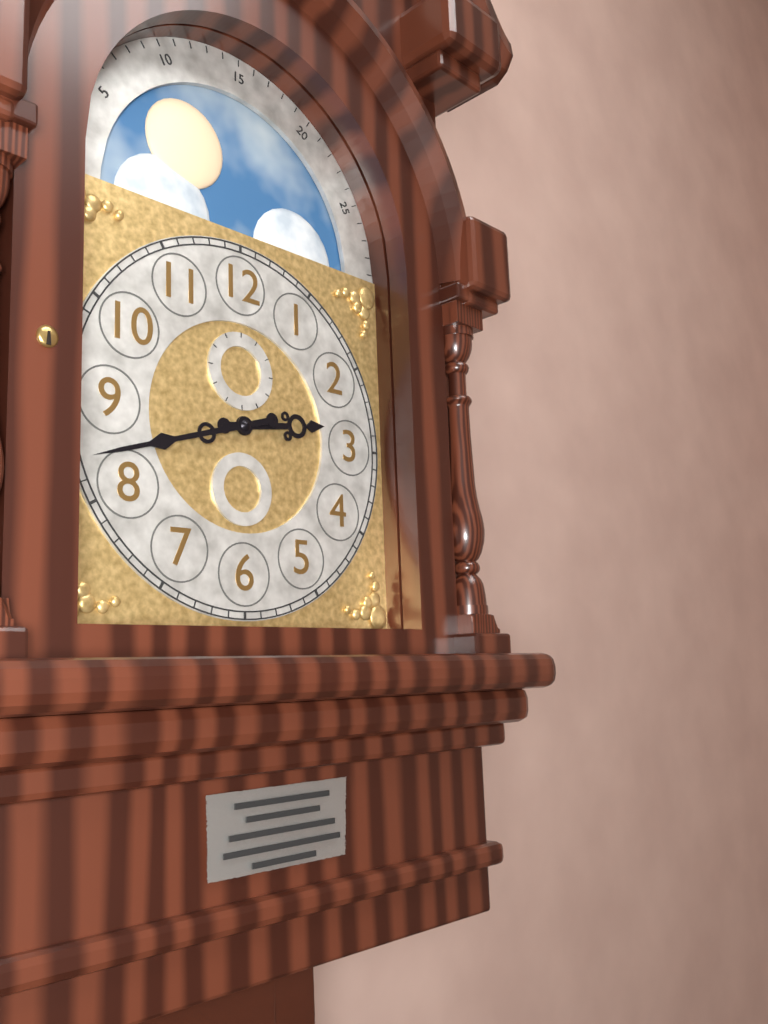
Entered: {"hour": 2, "minute": 42}
